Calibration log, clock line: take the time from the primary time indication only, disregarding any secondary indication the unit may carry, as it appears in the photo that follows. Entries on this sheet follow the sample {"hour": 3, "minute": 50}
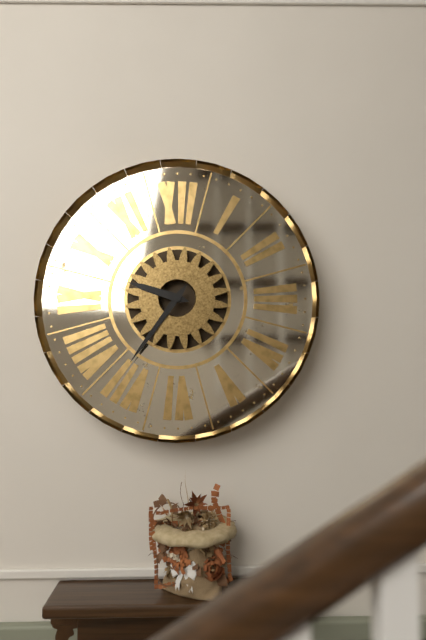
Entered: {"hour": 9, "minute": 36}
